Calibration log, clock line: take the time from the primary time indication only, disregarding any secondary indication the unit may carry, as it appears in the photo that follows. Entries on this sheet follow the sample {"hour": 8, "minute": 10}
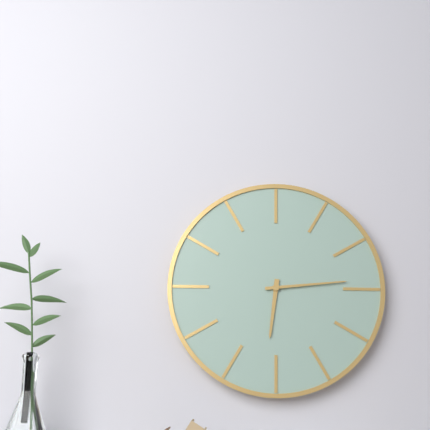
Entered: {"hour": 6, "minute": 14}
